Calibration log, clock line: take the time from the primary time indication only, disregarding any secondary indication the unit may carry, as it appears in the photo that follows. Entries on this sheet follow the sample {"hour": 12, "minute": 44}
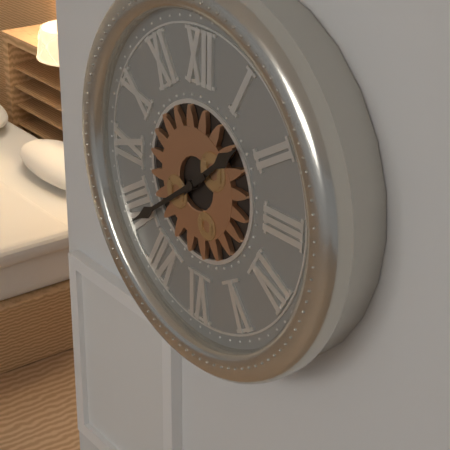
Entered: {"hour": 1, "minute": 39}
